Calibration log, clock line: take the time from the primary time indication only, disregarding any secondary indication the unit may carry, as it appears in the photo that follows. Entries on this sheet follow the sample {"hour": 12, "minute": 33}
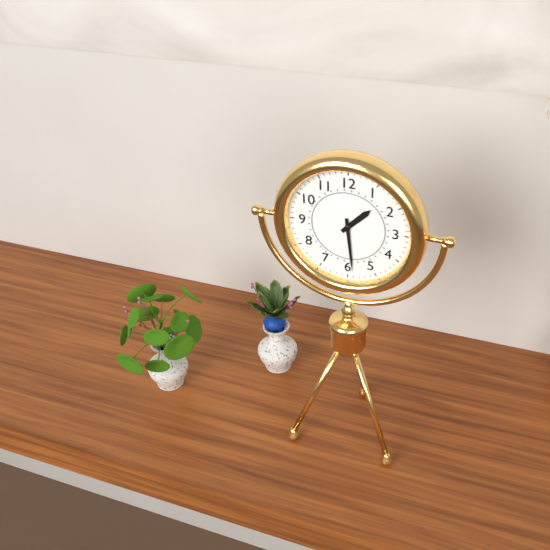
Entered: {"hour": 1, "minute": 29}
